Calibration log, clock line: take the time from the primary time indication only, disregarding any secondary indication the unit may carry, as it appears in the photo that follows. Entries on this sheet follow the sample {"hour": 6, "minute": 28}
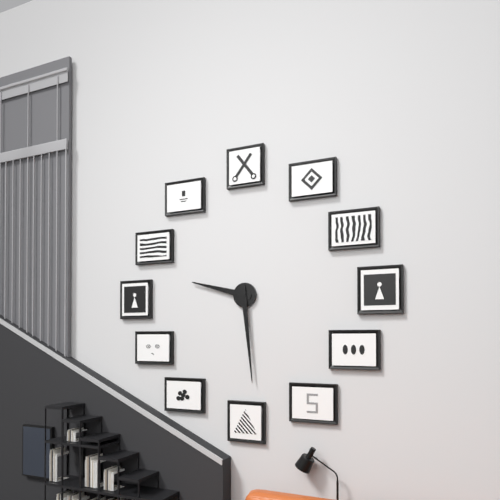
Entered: {"hour": 9, "minute": 29}
